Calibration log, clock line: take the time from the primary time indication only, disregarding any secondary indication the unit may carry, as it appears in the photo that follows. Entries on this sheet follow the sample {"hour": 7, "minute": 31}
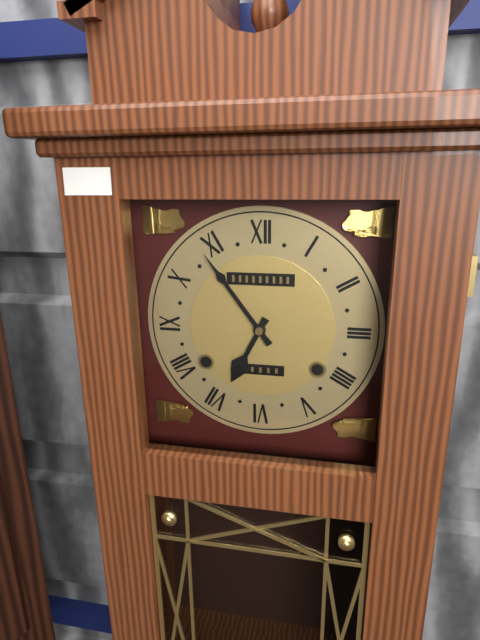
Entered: {"hour": 6, "minute": 54}
